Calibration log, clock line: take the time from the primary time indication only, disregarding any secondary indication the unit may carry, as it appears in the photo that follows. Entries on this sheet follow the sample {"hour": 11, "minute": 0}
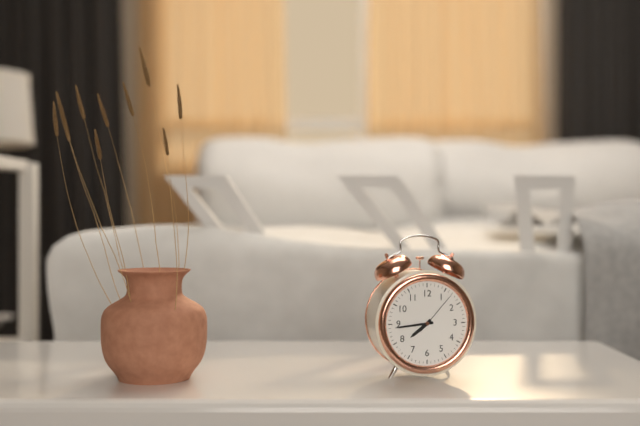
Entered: {"hour": 7, "minute": 44}
